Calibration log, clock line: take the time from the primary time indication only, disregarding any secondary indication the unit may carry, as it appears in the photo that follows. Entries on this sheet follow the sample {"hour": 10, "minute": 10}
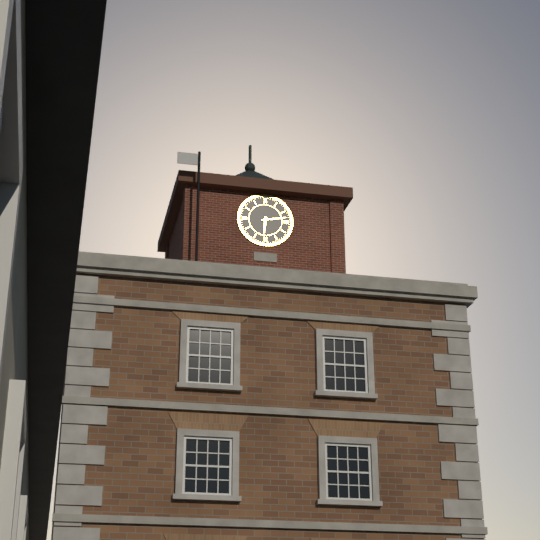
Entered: {"hour": 6, "minute": 13}
